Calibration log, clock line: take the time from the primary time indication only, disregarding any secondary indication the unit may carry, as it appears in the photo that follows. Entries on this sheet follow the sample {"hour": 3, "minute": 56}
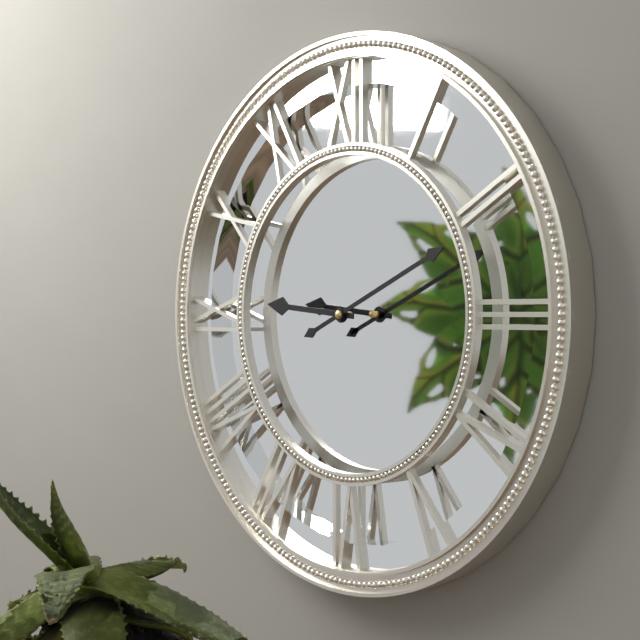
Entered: {"hour": 9, "minute": 11}
